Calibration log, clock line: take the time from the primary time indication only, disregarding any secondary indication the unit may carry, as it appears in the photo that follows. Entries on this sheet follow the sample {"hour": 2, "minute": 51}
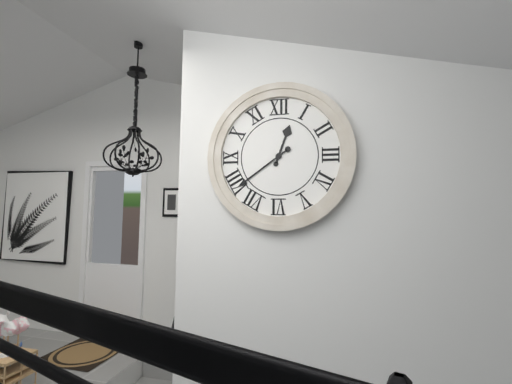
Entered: {"hour": 12, "minute": 39}
